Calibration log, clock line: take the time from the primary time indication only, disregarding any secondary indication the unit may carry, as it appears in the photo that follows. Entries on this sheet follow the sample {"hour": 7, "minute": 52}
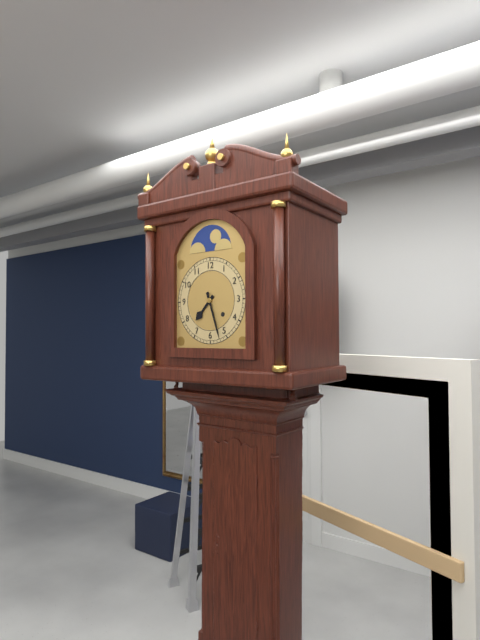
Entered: {"hour": 7, "minute": 27}
